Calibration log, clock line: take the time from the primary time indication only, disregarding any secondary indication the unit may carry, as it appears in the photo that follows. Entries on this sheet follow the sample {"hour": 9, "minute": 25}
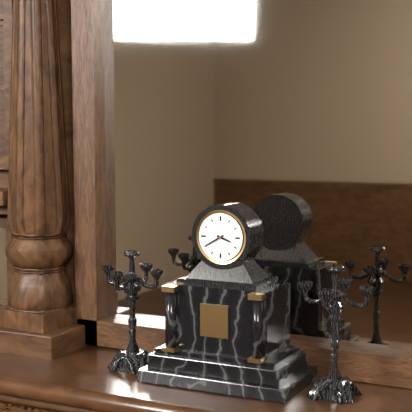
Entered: {"hour": 3, "minute": 40}
